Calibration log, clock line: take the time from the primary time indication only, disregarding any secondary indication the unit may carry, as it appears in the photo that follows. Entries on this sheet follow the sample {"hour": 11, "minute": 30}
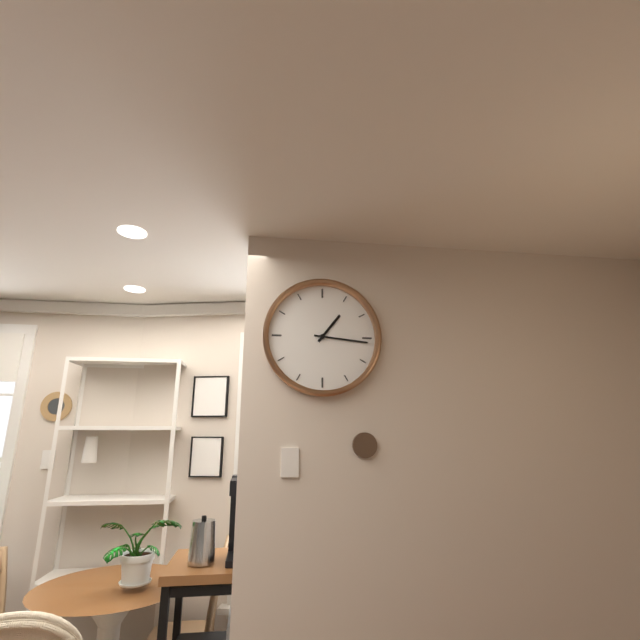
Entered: {"hour": 1, "minute": 16}
